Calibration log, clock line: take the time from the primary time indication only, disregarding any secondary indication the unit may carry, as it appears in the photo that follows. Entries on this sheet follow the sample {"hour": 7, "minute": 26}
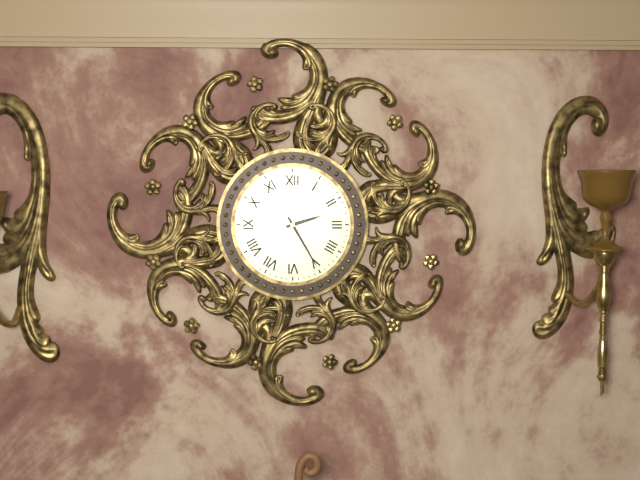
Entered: {"hour": 2, "minute": 25}
